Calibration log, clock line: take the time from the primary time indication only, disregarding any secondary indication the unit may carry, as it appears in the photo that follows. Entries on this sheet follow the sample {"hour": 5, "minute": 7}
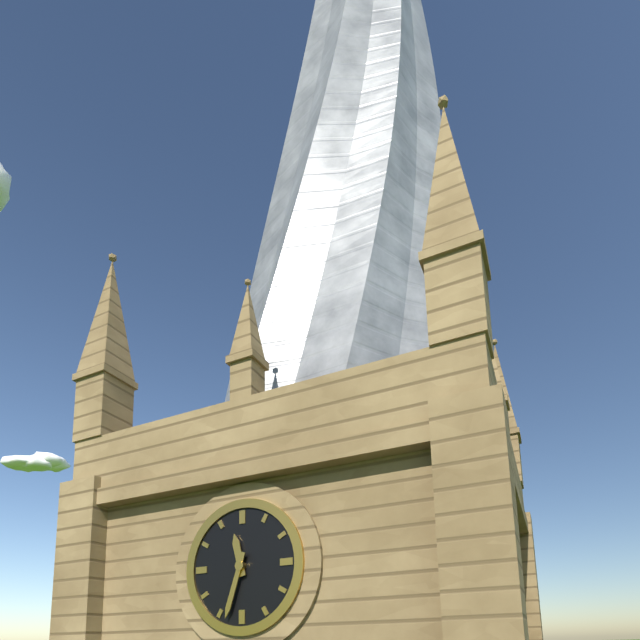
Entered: {"hour": 11, "minute": 33}
